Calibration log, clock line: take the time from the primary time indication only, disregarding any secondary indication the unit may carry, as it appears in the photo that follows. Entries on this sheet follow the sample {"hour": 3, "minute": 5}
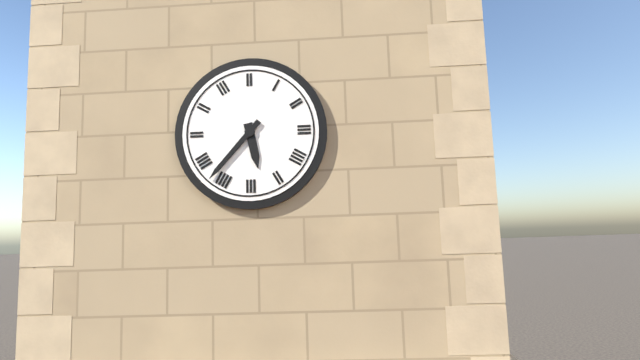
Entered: {"hour": 5, "minute": 37}
